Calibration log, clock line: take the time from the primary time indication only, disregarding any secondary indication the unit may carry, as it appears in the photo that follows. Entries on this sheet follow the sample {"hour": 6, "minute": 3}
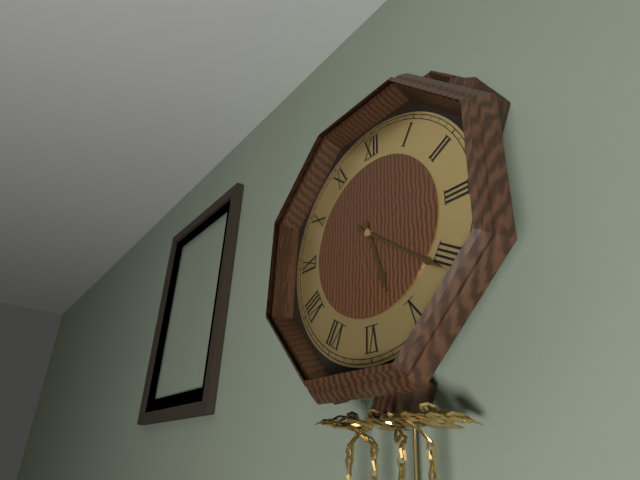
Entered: {"hour": 5, "minute": 21}
